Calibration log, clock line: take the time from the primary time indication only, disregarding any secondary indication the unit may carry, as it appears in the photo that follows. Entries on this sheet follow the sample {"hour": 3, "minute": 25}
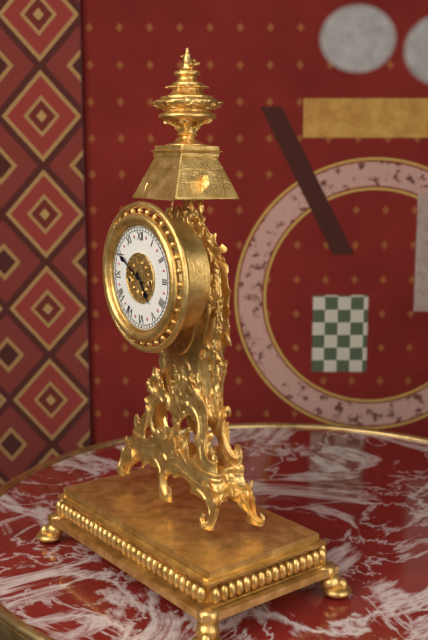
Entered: {"hour": 4, "minute": 50}
